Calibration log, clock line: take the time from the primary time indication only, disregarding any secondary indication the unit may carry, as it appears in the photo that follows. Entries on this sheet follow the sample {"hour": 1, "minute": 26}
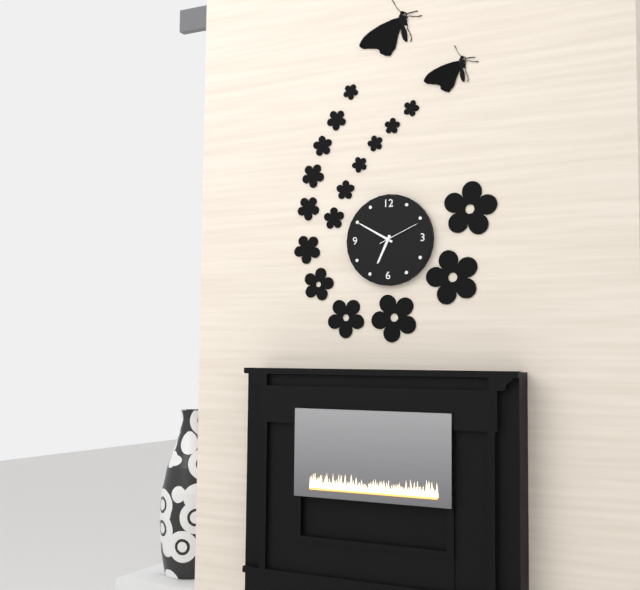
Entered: {"hour": 6, "minute": 50}
